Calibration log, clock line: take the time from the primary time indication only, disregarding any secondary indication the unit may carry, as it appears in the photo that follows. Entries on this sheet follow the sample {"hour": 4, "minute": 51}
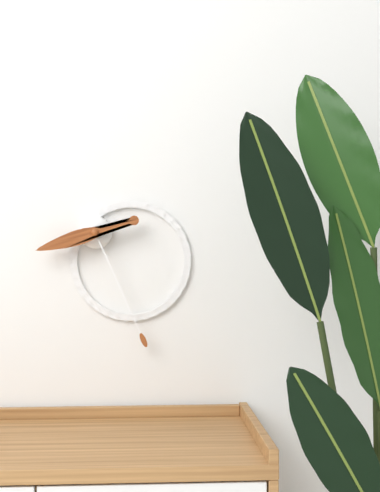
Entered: {"hour": 8, "minute": 26}
